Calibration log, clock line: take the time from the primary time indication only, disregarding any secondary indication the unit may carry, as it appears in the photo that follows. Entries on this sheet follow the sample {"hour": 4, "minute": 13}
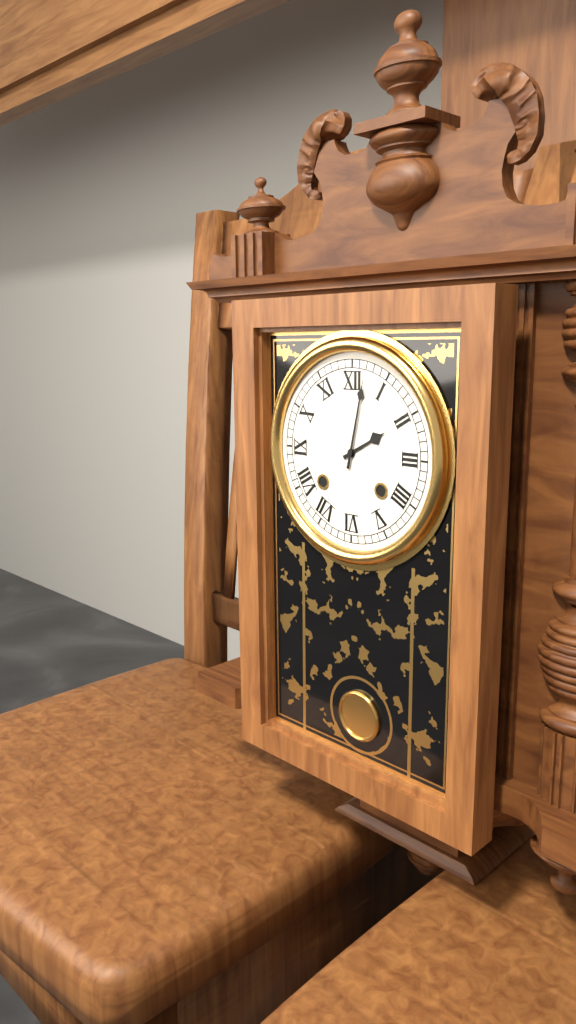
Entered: {"hour": 2, "minute": 2}
